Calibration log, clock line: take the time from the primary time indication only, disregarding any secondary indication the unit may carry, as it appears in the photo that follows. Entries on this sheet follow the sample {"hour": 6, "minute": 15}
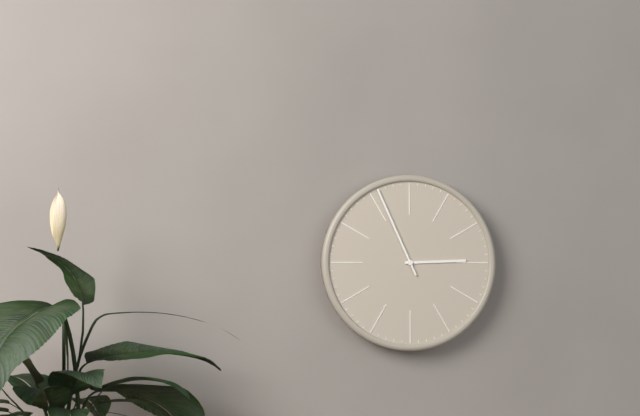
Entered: {"hour": 2, "minute": 56}
